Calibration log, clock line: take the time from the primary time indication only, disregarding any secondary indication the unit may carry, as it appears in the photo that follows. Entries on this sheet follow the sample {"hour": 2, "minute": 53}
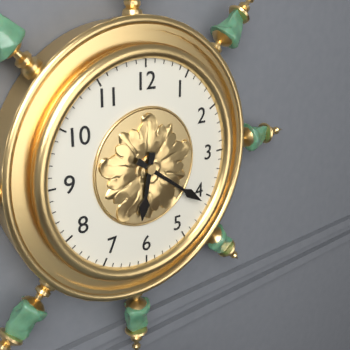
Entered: {"hour": 6, "minute": 21}
